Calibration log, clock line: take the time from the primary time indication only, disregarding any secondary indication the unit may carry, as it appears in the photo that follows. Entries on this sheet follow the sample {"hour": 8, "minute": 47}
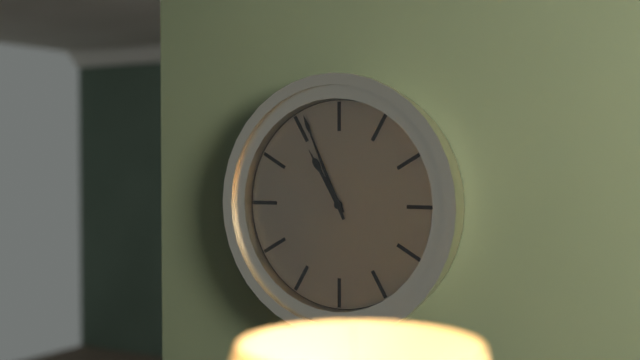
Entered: {"hour": 10, "minute": 56}
